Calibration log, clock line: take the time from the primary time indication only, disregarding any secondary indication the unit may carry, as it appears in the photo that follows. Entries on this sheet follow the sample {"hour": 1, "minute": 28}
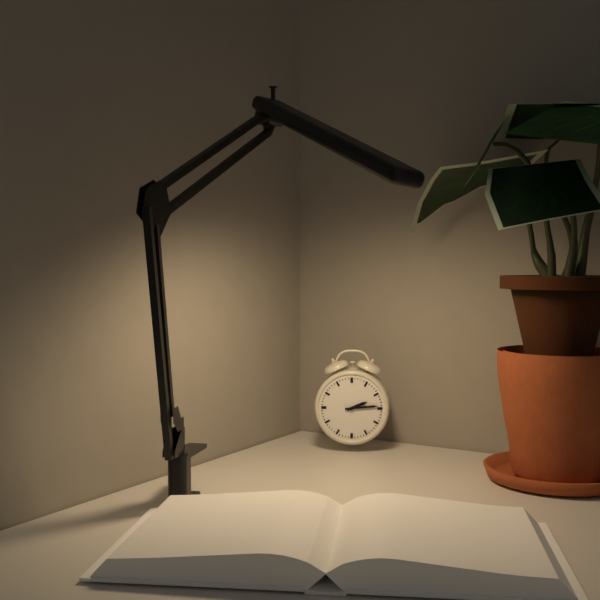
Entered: {"hour": 2, "minute": 14}
